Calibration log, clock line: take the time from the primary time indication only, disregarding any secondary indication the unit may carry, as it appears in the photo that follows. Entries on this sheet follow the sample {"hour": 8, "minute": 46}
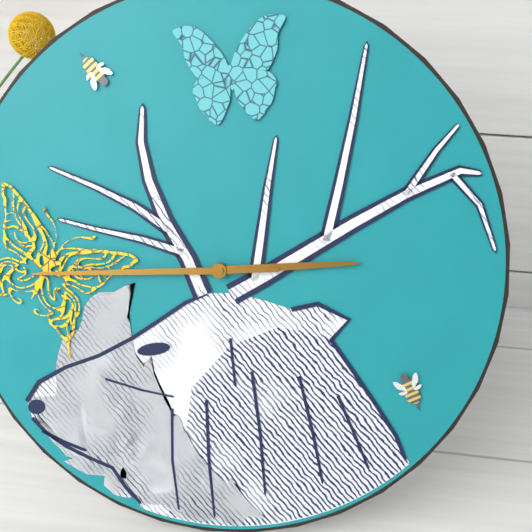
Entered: {"hour": 2, "minute": 44}
